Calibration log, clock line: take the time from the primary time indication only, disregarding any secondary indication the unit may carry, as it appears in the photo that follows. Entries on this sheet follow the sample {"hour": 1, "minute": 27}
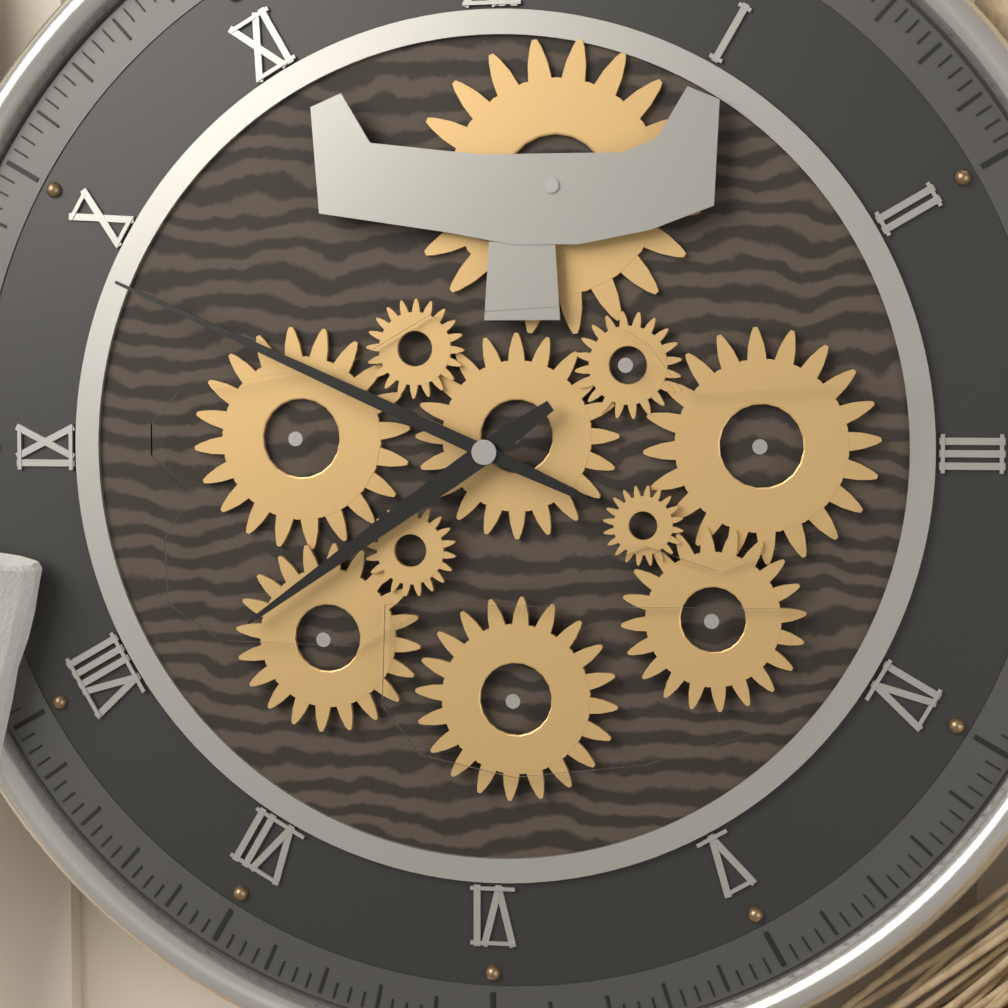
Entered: {"hour": 7, "minute": 49}
